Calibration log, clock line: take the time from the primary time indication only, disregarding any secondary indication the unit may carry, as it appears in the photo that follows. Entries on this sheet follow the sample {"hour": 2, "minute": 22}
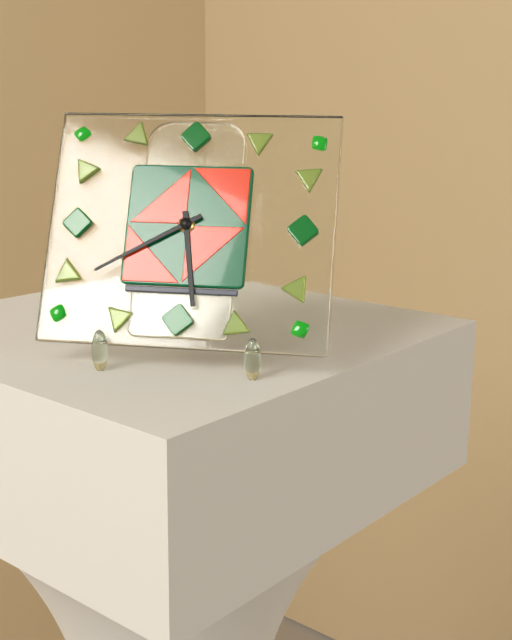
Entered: {"hour": 5, "minute": 40}
